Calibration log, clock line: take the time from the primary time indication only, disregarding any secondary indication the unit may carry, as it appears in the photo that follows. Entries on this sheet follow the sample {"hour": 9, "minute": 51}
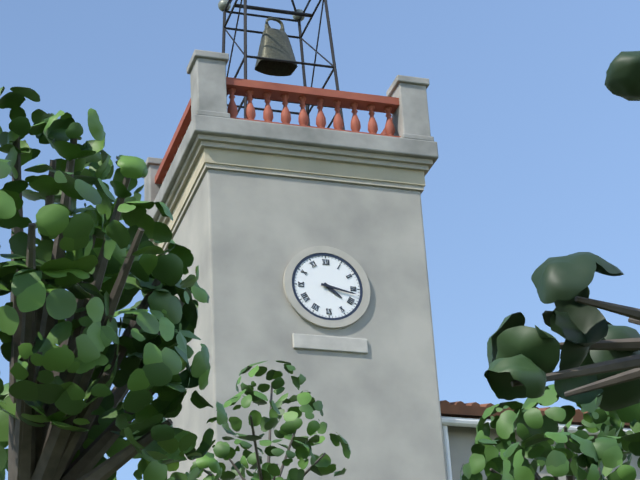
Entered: {"hour": 4, "minute": 17}
